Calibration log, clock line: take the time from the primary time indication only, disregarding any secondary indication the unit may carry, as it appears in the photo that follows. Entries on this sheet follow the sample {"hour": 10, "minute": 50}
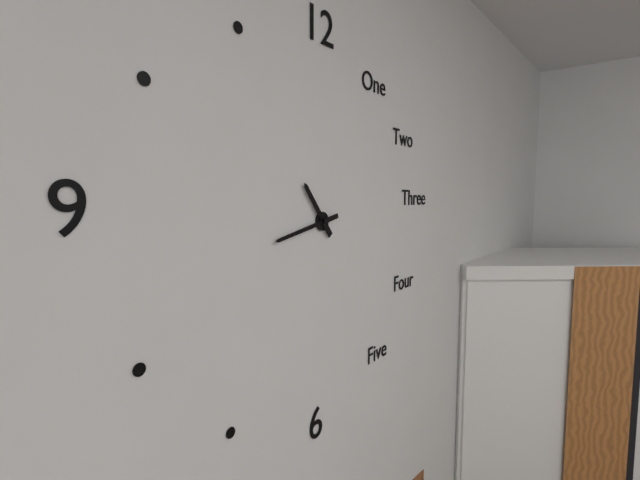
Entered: {"hour": 10, "minute": 43}
